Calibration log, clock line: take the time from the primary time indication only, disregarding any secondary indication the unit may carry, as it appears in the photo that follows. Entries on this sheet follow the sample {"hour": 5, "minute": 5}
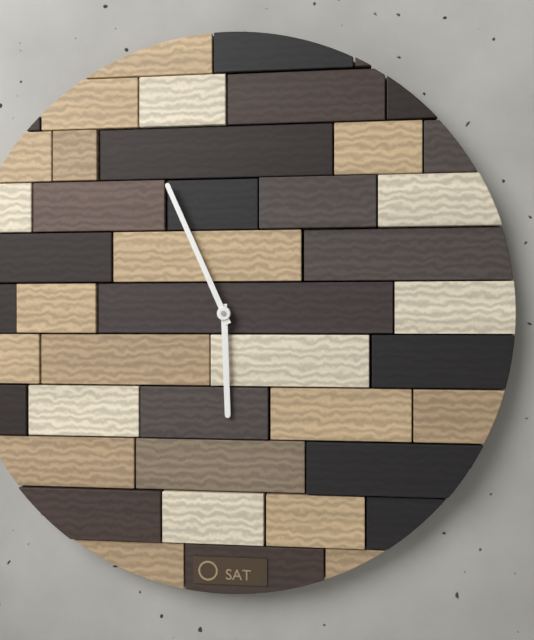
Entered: {"hour": 5, "minute": 56}
